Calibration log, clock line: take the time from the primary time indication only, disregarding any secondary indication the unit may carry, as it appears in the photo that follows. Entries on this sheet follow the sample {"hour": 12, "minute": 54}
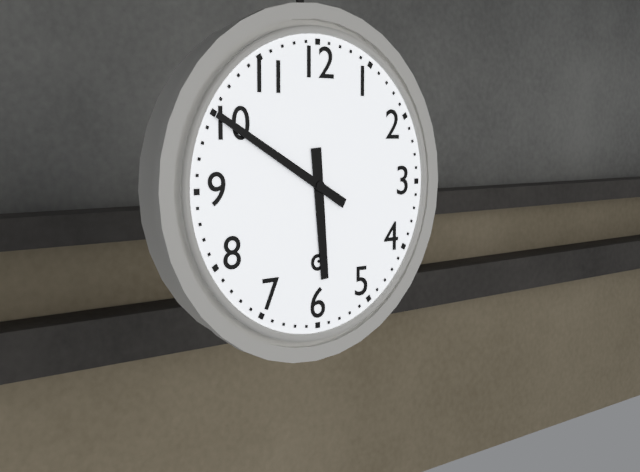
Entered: {"hour": 5, "minute": 50}
